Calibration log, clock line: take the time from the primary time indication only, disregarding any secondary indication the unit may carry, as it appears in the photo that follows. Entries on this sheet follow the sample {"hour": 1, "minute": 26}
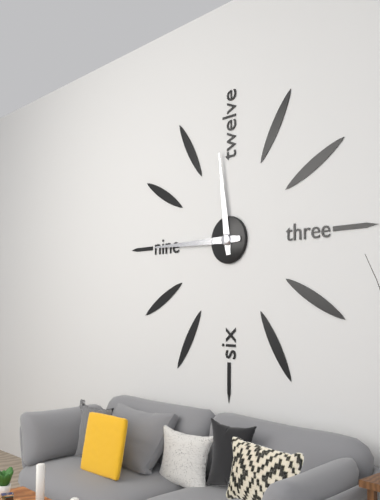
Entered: {"hour": 11, "minute": 45}
